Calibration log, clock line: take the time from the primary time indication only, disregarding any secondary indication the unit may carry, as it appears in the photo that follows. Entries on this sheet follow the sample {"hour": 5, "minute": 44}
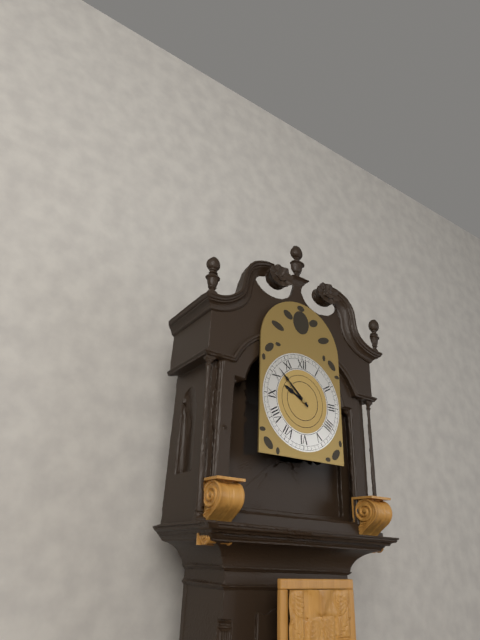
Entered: {"hour": 9, "minute": 52}
